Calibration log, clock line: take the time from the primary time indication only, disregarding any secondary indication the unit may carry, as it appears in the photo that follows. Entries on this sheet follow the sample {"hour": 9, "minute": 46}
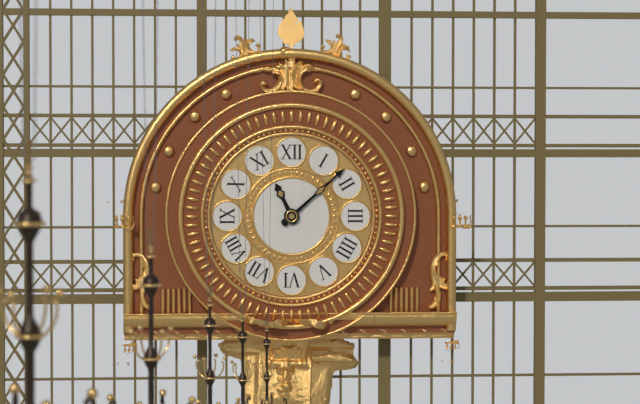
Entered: {"hour": 11, "minute": 8}
